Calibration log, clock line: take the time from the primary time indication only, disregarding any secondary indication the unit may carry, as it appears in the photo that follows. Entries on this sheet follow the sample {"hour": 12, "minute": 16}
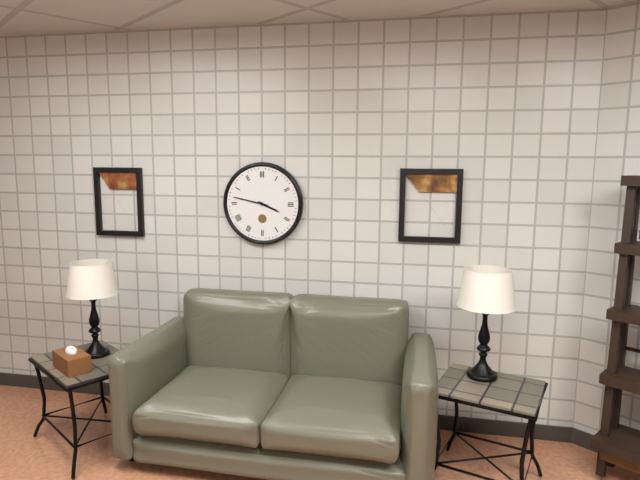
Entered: {"hour": 3, "minute": 47}
